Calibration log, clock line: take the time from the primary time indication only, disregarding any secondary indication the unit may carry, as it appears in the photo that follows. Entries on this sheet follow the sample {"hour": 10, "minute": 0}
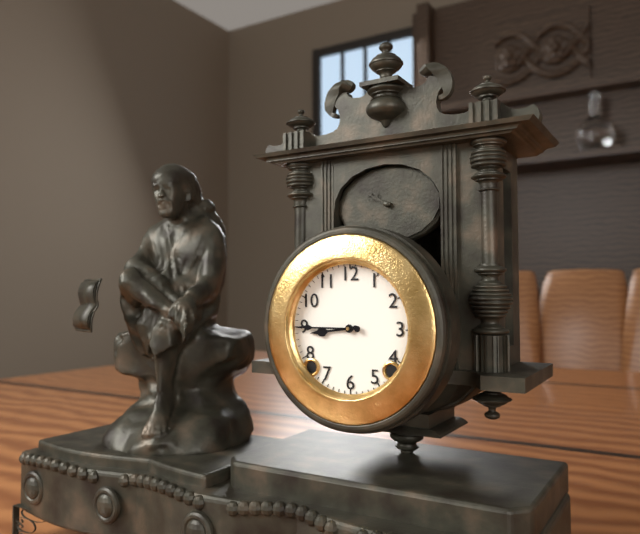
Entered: {"hour": 8, "minute": 45}
